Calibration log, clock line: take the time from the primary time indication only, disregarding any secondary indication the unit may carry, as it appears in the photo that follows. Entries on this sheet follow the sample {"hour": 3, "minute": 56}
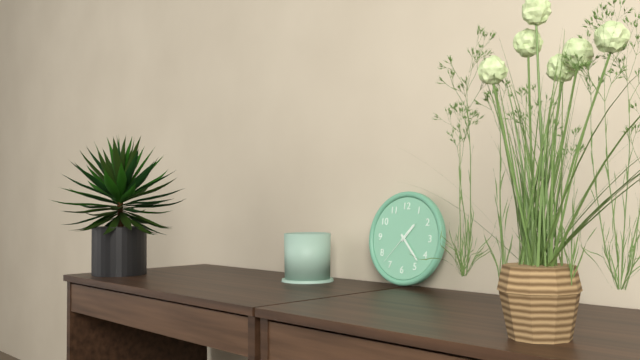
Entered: {"hour": 1, "minute": 23}
